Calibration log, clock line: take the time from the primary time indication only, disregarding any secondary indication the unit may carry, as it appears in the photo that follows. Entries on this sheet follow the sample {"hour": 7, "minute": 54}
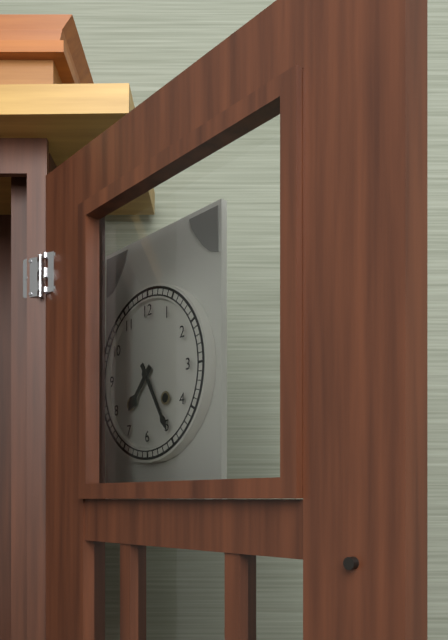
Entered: {"hour": 7, "minute": 25}
